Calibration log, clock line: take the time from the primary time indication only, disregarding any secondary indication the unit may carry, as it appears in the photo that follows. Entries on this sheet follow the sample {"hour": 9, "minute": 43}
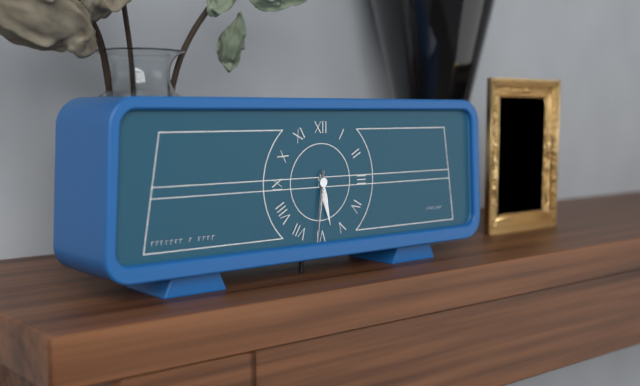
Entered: {"hour": 5, "minute": 31}
